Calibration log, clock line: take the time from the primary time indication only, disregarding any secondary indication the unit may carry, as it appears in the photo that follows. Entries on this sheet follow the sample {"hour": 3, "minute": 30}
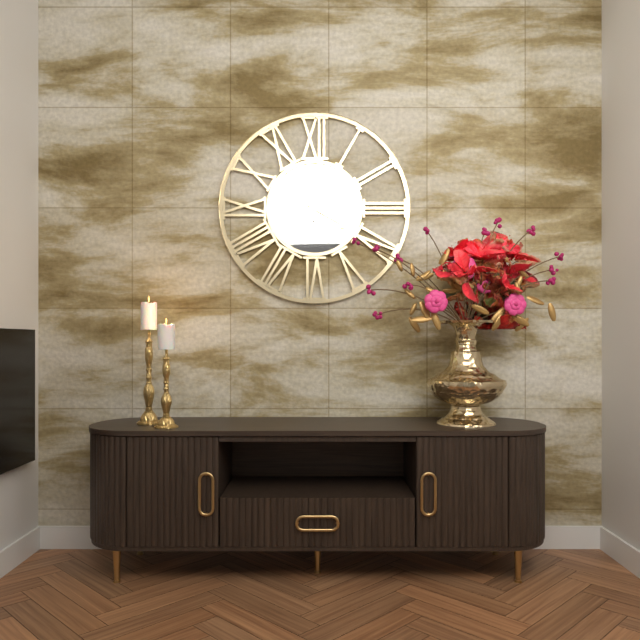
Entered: {"hour": 4, "minute": 1}
